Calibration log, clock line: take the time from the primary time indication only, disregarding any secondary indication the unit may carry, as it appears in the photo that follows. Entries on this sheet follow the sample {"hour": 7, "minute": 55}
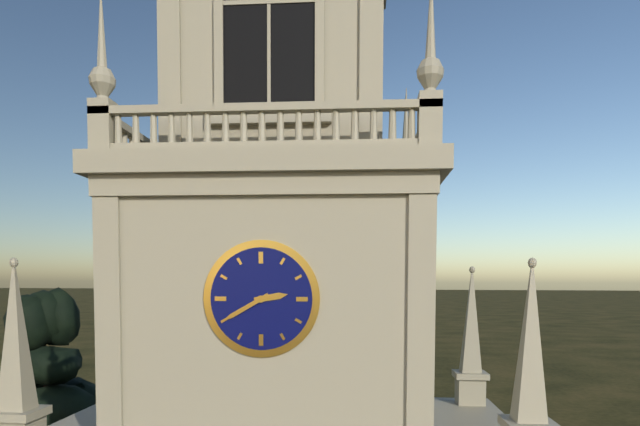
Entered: {"hour": 2, "minute": 40}
